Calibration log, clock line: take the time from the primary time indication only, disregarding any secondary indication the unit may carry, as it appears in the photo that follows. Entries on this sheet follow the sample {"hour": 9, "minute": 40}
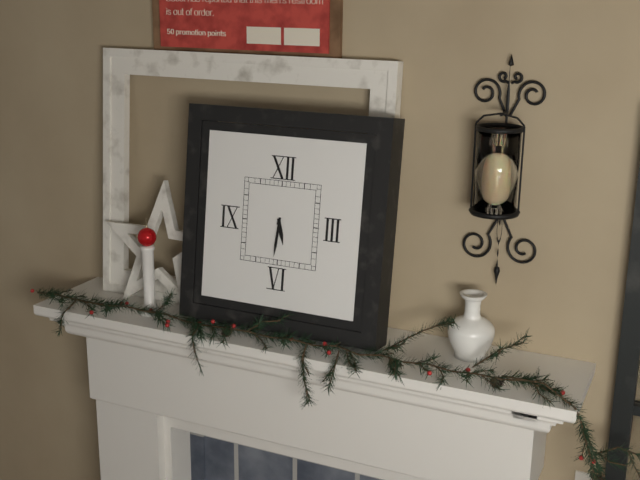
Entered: {"hour": 5, "minute": 31}
